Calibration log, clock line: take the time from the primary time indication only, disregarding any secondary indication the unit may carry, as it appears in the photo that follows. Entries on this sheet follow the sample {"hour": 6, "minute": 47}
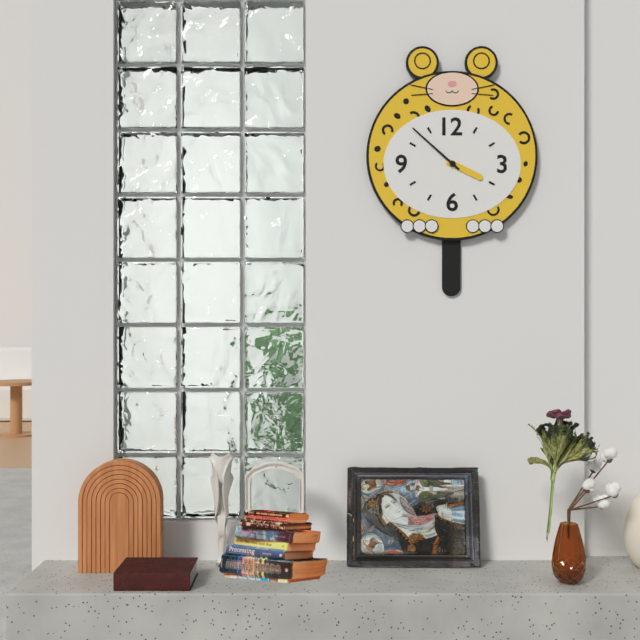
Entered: {"hour": 3, "minute": 52}
